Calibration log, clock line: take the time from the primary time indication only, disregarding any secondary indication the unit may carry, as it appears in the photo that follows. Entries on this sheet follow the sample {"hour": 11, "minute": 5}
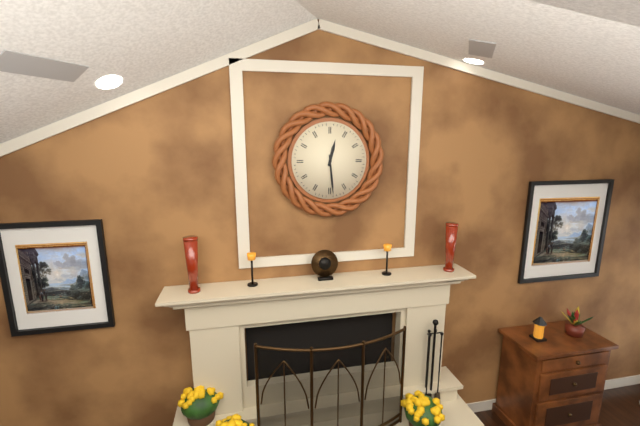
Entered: {"hour": 12, "minute": 29}
